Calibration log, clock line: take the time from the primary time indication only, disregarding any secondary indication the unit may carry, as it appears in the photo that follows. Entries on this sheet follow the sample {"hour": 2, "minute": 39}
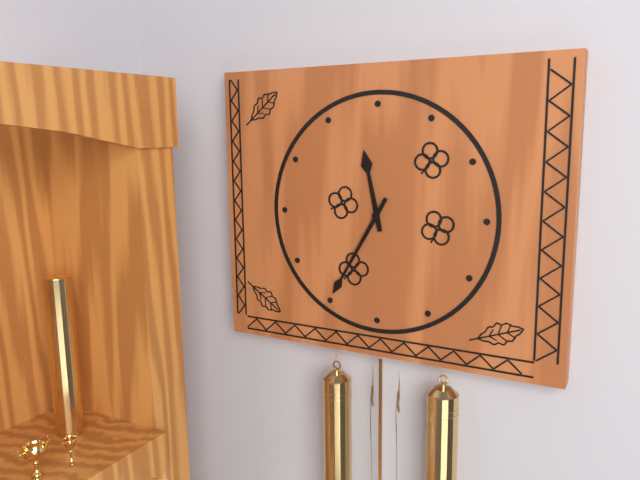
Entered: {"hour": 11, "minute": 35}
